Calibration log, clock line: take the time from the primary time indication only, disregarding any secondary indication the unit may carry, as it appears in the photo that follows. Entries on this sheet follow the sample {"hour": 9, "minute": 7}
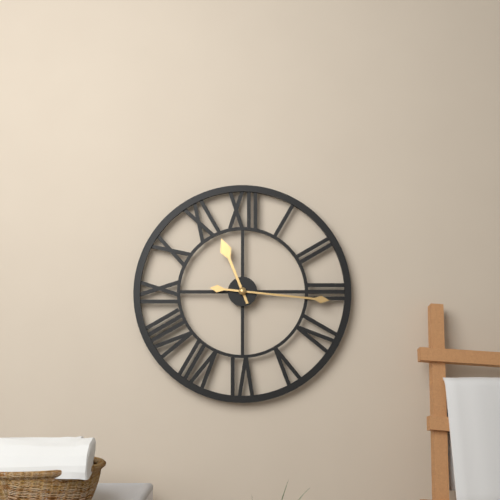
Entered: {"hour": 11, "minute": 16}
